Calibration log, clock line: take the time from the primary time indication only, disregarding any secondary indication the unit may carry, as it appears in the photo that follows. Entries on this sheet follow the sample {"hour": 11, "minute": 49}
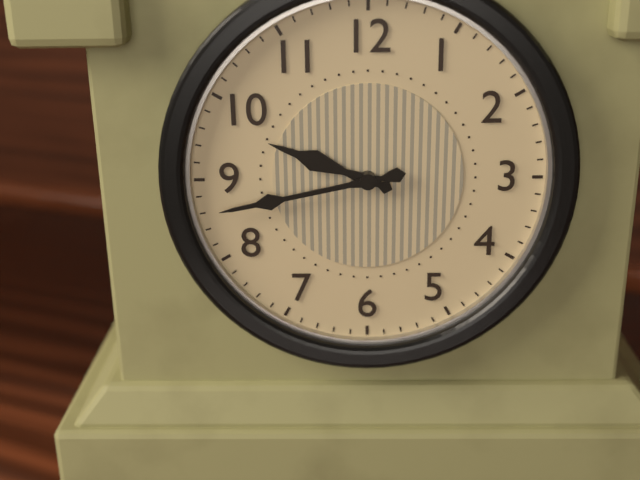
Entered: {"hour": 9, "minute": 43}
